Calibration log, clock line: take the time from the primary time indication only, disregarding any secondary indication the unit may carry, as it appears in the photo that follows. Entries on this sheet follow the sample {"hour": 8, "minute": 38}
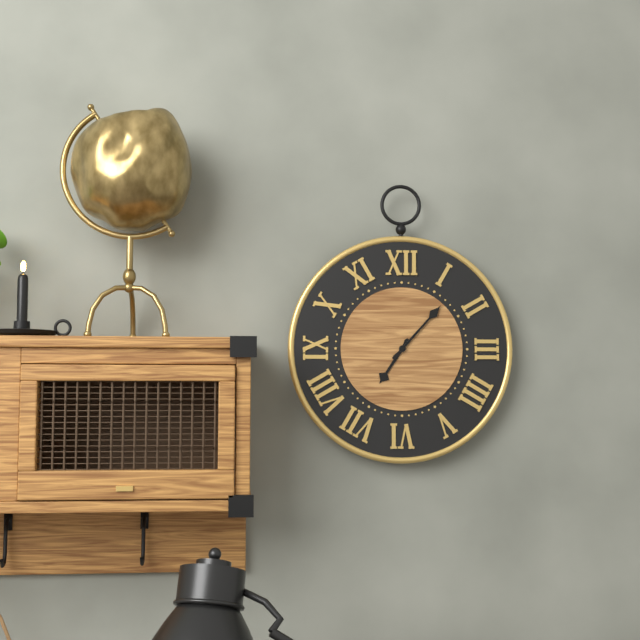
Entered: {"hour": 7, "minute": 7}
